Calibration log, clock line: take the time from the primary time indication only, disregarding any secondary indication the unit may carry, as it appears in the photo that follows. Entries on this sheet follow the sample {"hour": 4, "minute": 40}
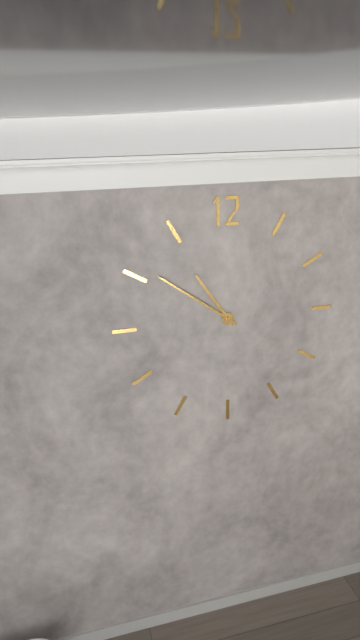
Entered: {"hour": 10, "minute": 51}
